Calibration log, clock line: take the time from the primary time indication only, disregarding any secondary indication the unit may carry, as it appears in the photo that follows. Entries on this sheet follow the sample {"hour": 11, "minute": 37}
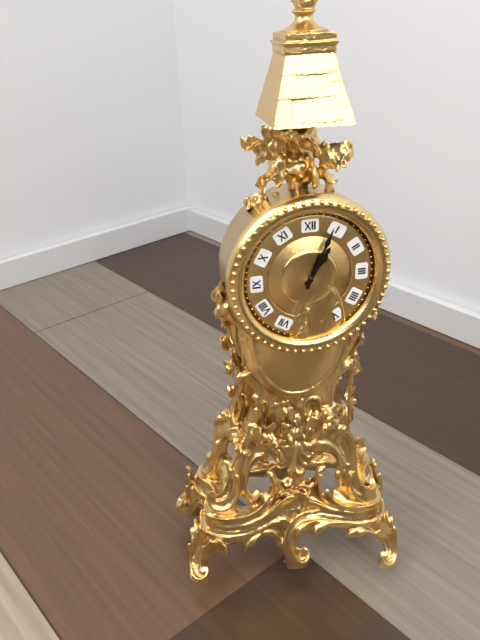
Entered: {"hour": 1, "minute": 4}
